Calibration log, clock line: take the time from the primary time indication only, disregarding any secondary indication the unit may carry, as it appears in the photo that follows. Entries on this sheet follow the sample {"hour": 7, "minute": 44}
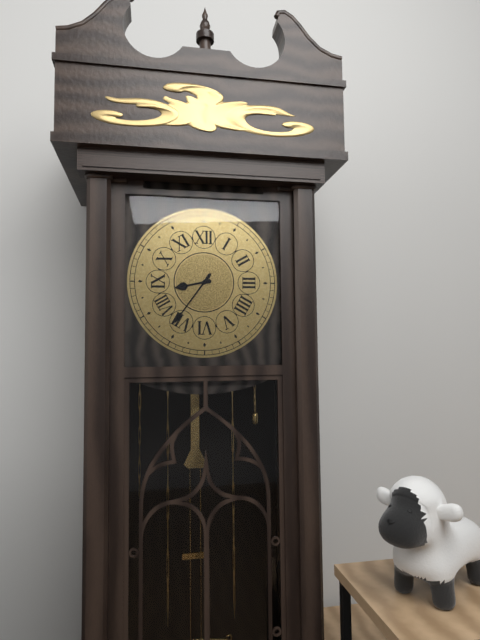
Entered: {"hour": 8, "minute": 36}
